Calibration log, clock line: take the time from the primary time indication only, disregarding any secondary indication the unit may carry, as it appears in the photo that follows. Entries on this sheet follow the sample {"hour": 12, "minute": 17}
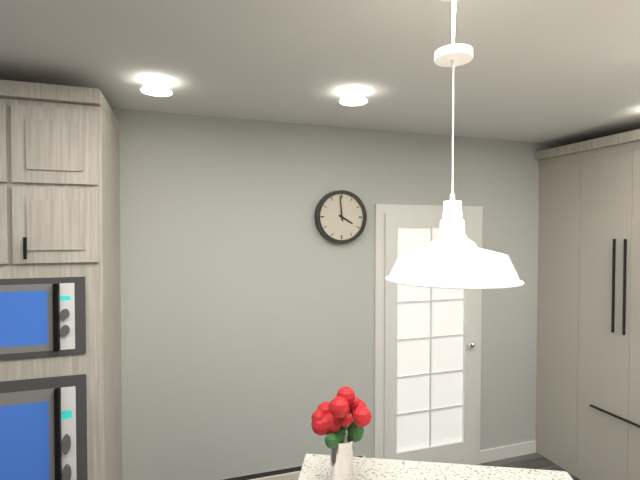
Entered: {"hour": 3, "minute": 59}
